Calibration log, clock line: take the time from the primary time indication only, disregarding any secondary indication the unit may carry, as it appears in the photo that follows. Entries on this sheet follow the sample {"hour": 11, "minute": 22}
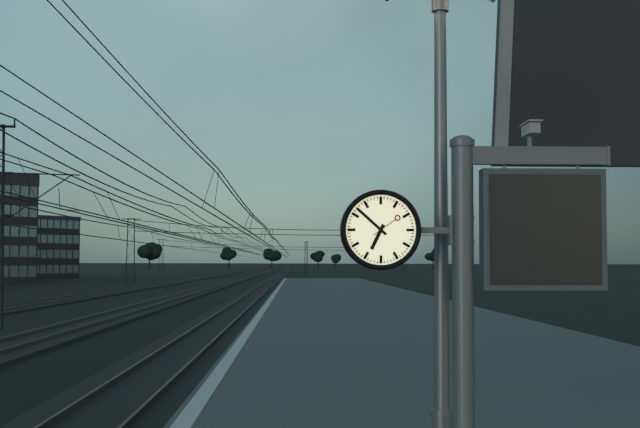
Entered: {"hour": 6, "minute": 52}
